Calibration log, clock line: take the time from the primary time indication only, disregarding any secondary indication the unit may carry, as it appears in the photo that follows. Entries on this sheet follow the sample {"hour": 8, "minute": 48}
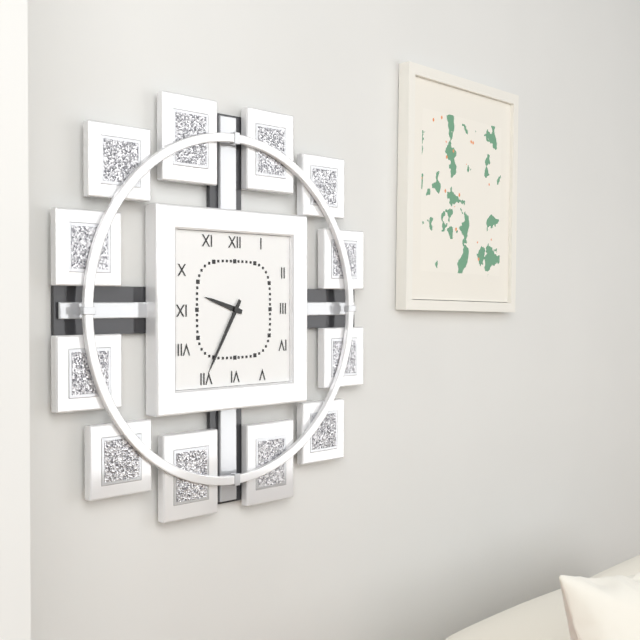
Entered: {"hour": 9, "minute": 35}
